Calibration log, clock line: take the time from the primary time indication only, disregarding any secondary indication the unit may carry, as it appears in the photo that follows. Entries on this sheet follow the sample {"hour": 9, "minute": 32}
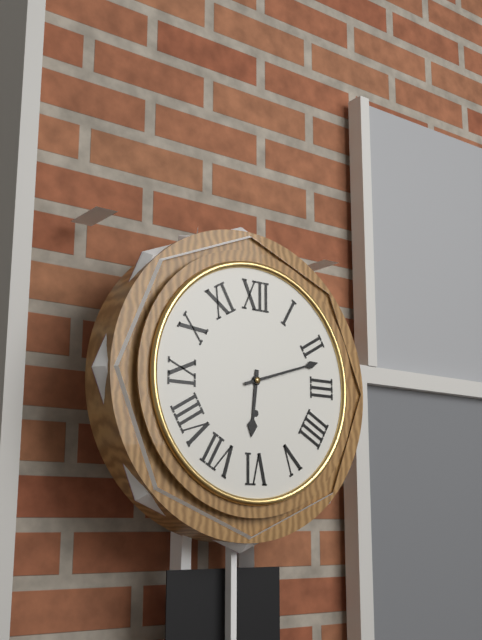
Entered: {"hour": 6, "minute": 12}
